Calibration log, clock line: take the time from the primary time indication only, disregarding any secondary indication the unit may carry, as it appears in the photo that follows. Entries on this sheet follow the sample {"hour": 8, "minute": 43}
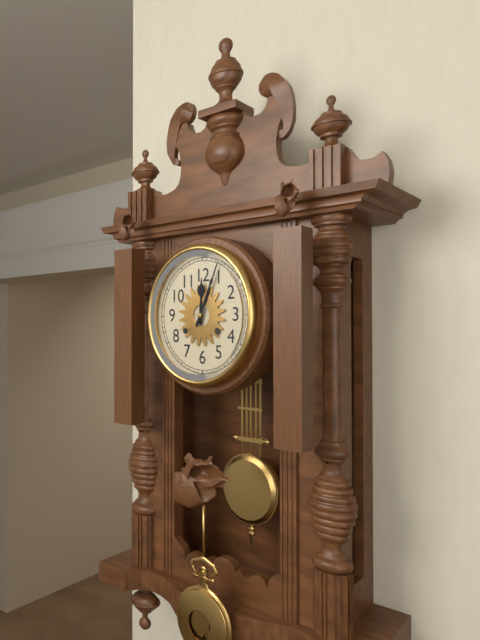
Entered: {"hour": 12, "minute": 4}
